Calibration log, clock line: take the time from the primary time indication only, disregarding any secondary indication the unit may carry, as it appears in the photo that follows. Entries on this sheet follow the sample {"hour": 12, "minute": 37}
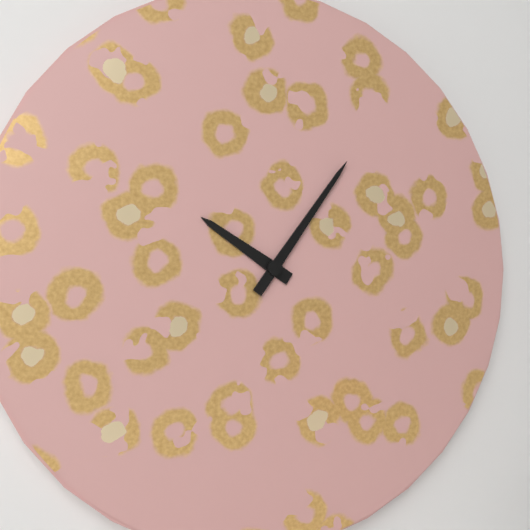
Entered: {"hour": 10, "minute": 6}
